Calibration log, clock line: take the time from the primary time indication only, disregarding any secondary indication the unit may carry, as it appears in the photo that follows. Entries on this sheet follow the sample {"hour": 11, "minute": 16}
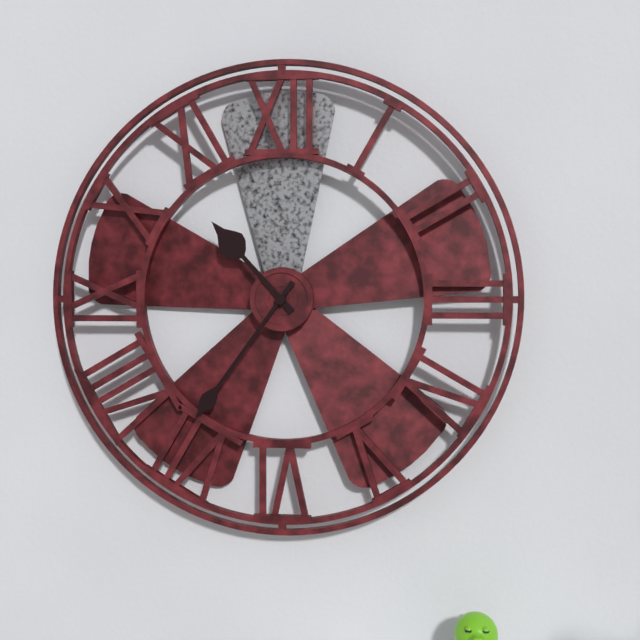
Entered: {"hour": 10, "minute": 36}
